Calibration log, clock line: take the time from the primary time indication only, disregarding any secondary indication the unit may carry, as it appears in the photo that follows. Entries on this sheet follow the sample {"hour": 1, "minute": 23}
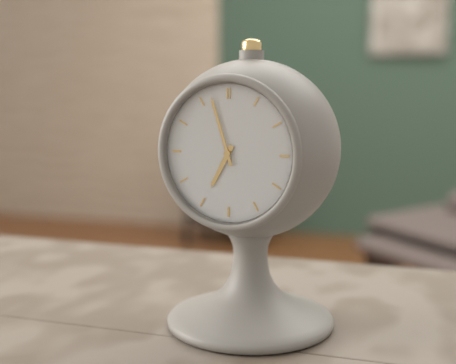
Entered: {"hour": 6, "minute": 57}
